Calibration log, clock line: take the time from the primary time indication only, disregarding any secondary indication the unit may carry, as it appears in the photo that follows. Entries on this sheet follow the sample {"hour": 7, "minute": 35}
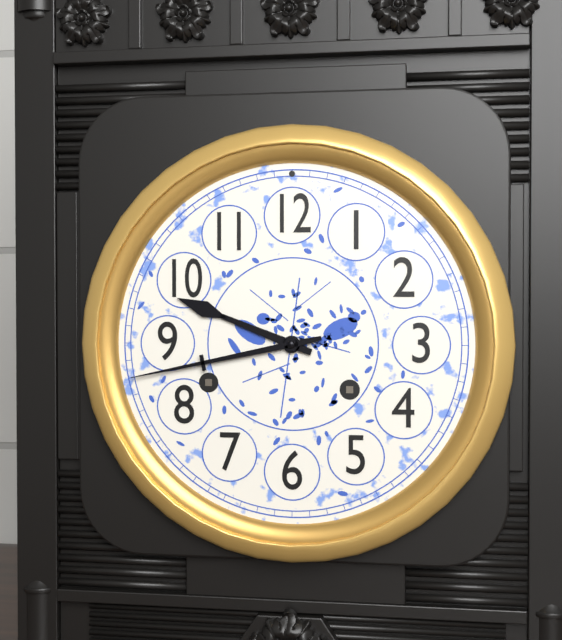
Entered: {"hour": 9, "minute": 43}
